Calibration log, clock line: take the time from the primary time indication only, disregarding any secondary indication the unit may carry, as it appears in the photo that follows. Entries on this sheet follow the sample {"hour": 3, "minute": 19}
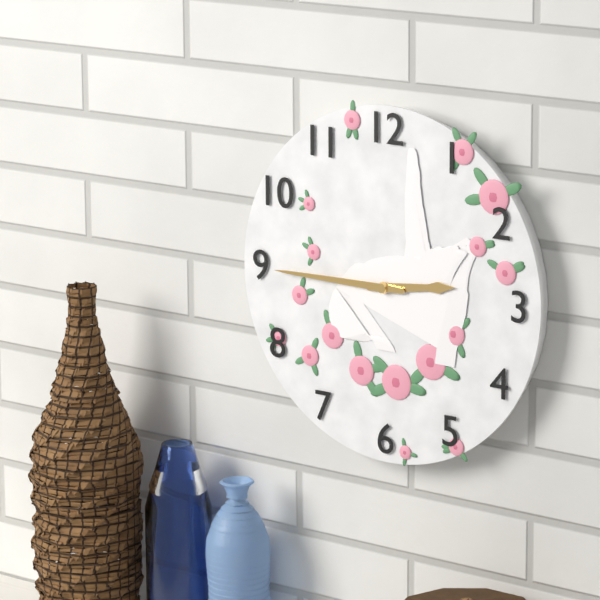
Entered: {"hour": 2, "minute": 45}
